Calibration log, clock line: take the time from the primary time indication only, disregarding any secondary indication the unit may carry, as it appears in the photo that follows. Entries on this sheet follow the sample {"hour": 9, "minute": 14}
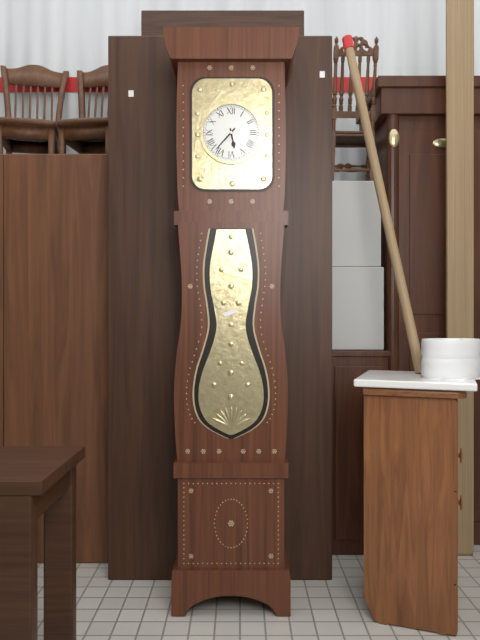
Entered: {"hour": 5, "minute": 37}
